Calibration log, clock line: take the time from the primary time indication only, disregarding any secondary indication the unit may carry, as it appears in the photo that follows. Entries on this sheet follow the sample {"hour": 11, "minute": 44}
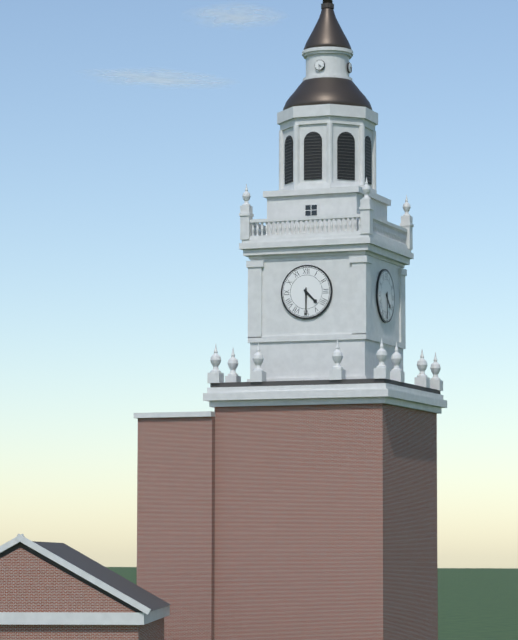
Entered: {"hour": 4, "minute": 30}
